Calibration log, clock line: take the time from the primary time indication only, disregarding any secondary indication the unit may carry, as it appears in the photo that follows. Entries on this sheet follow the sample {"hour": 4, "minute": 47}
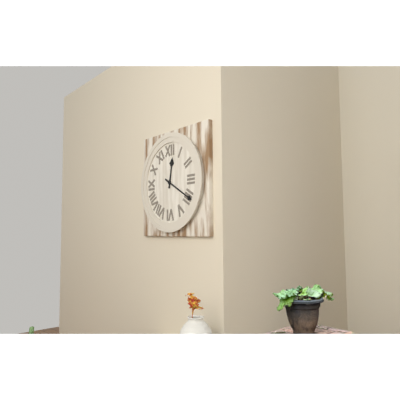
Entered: {"hour": 12, "minute": 20}
